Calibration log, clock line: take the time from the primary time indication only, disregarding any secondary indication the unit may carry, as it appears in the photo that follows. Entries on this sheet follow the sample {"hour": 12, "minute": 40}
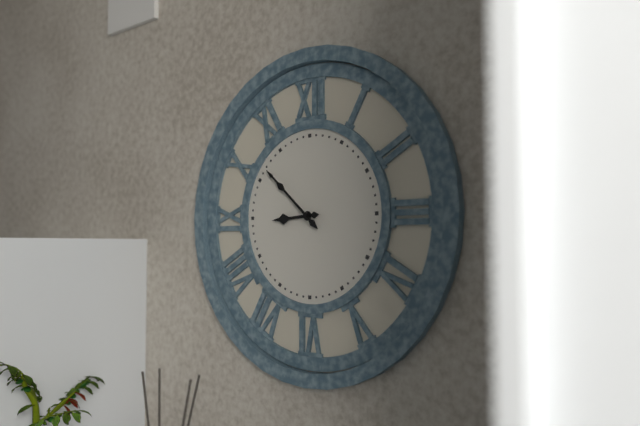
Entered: {"hour": 8, "minute": 52}
